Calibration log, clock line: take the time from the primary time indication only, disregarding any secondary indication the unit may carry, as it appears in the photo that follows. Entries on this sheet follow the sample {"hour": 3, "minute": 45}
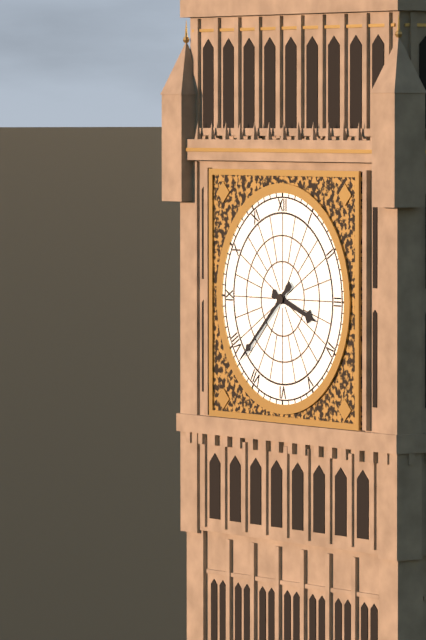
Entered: {"hour": 3, "minute": 38}
